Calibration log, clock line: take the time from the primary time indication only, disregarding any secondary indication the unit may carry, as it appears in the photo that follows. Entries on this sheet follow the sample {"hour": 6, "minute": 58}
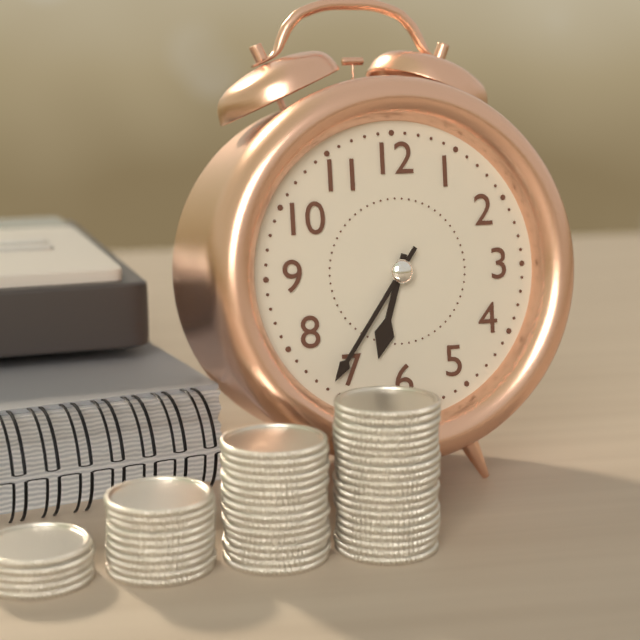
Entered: {"hour": 6, "minute": 36}
